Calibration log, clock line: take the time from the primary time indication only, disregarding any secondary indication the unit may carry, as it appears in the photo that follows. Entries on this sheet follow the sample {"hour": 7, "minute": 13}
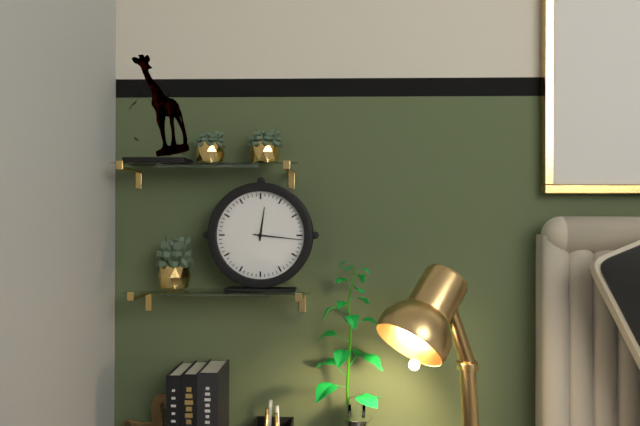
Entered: {"hour": 12, "minute": 16}
